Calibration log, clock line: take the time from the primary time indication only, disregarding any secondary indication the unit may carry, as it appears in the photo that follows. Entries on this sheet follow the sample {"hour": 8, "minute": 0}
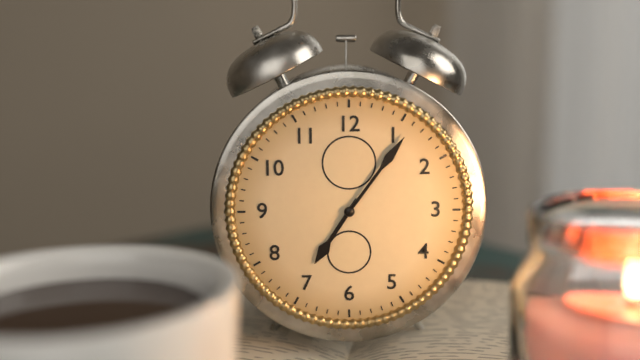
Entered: {"hour": 7, "minute": 6}
